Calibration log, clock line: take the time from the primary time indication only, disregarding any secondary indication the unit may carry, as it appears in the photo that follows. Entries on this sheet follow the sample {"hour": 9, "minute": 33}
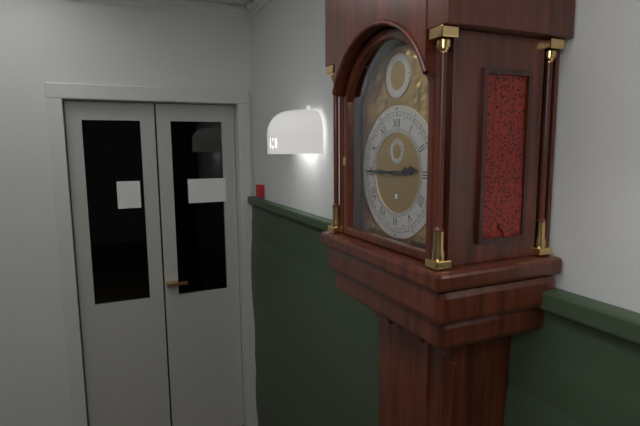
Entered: {"hour": 2, "minute": 45}
